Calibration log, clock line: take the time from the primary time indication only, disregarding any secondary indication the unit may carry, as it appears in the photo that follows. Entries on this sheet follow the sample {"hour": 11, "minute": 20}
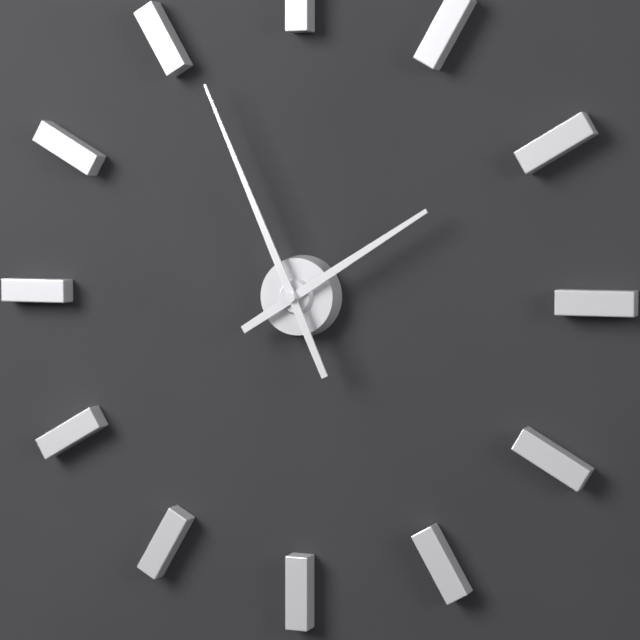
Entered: {"hour": 1, "minute": 56}
